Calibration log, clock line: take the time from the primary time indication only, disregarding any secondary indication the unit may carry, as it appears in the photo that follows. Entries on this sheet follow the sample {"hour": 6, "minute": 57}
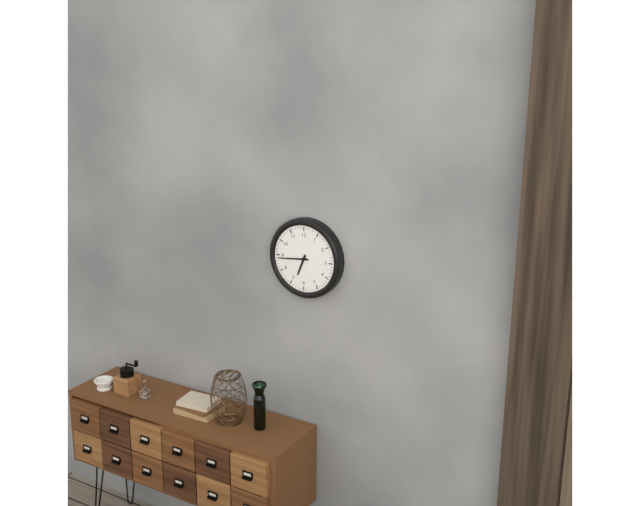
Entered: {"hour": 6, "minute": 44}
